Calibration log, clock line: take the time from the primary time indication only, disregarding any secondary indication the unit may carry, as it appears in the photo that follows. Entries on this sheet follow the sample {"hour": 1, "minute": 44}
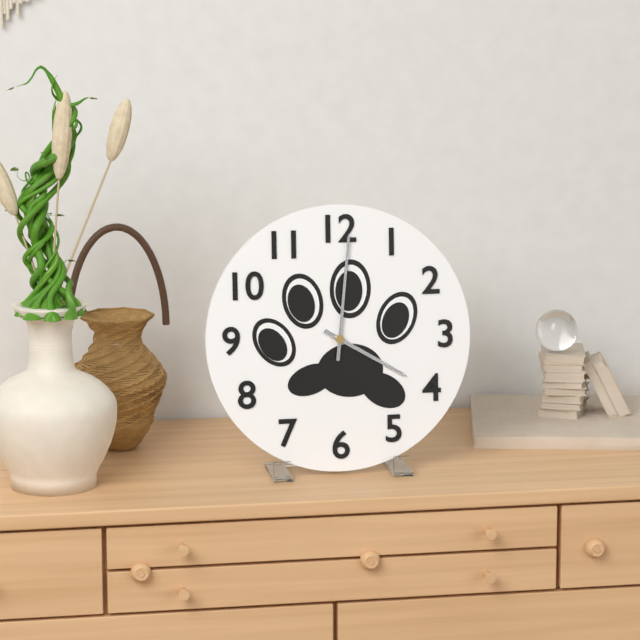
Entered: {"hour": 4, "minute": 1}
